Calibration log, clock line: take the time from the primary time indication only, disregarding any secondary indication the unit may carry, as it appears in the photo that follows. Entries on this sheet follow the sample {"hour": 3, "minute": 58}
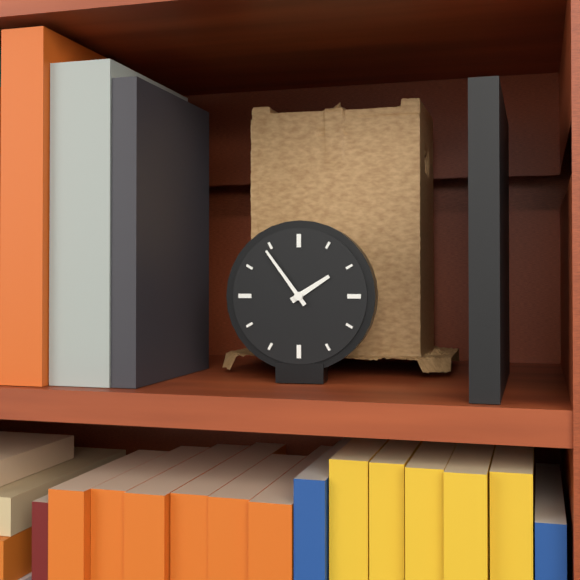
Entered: {"hour": 1, "minute": 54}
